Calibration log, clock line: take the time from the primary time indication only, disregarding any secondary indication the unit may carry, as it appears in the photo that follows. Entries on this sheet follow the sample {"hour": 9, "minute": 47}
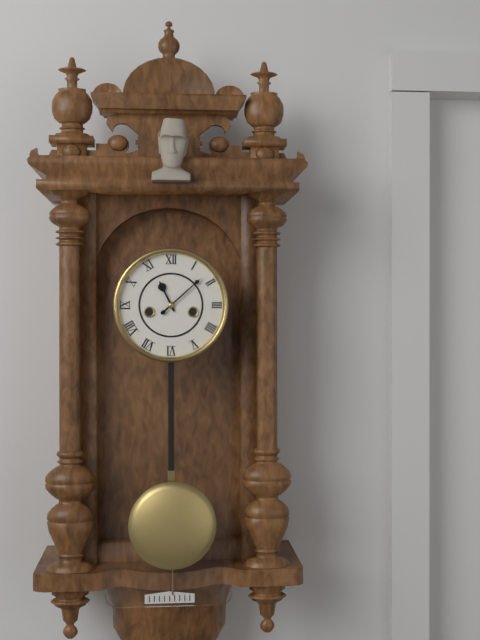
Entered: {"hour": 11, "minute": 8}
